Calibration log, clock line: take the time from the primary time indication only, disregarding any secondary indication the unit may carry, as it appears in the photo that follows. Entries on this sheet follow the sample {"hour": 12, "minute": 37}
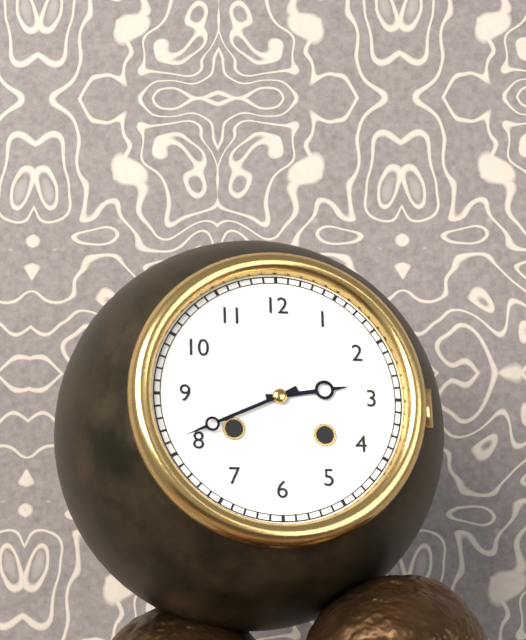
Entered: {"hour": 2, "minute": 41}
